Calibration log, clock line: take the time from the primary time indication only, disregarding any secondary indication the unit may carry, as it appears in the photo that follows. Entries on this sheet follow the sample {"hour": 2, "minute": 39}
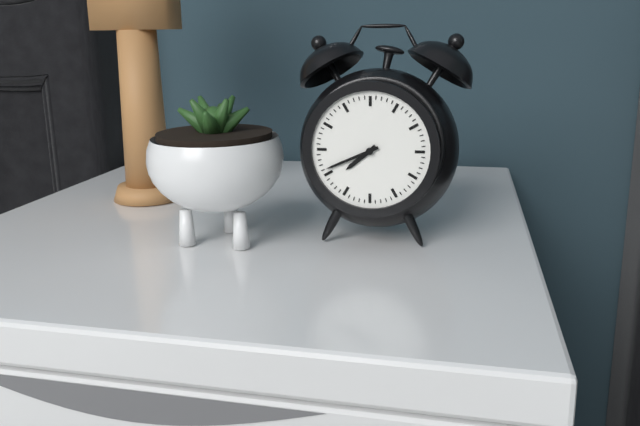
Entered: {"hour": 7, "minute": 41}
